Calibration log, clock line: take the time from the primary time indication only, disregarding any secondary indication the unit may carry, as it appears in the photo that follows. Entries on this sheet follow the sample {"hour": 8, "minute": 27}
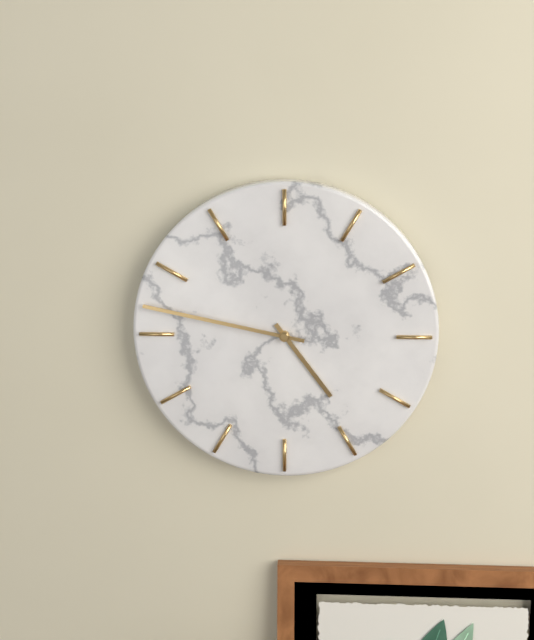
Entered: {"hour": 4, "minute": 47}
